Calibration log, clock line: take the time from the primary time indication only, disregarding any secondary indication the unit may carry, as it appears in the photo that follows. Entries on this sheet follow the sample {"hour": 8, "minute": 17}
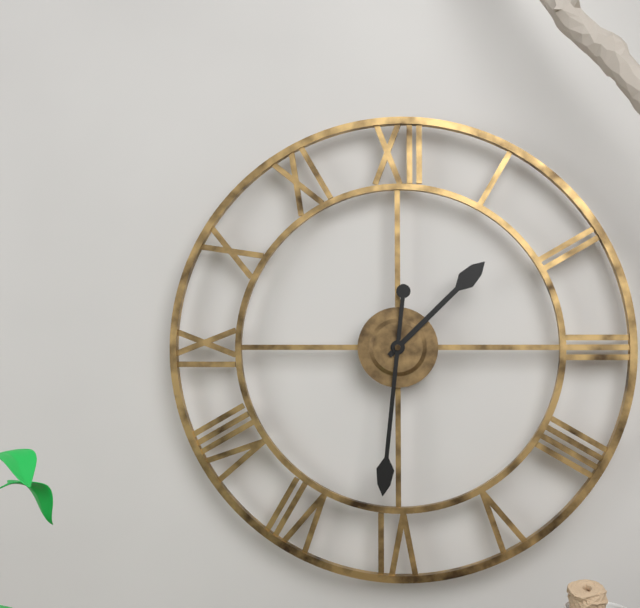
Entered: {"hour": 1, "minute": 31}
